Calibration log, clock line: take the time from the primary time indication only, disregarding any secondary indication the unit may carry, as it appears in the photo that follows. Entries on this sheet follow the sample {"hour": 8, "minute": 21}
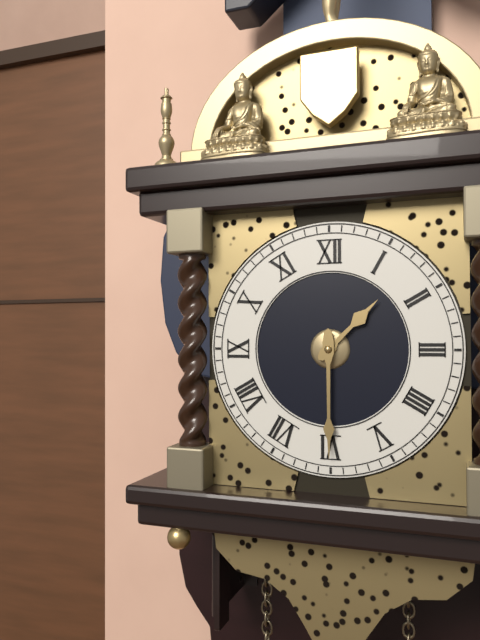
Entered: {"hour": 1, "minute": 30}
